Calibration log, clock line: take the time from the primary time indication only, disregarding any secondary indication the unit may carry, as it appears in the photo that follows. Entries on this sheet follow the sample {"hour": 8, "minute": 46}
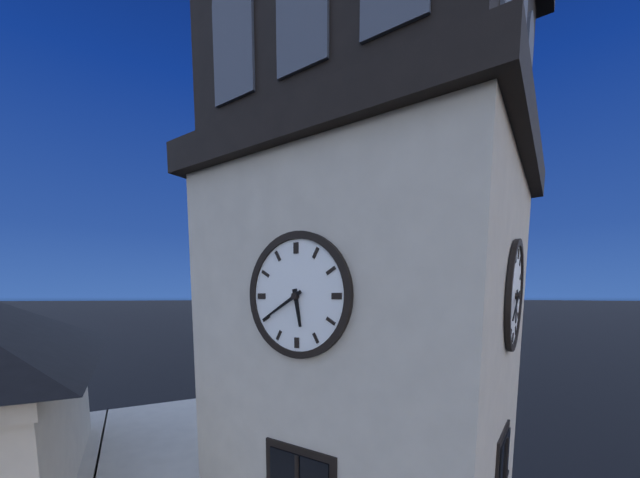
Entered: {"hour": 5, "minute": 40}
